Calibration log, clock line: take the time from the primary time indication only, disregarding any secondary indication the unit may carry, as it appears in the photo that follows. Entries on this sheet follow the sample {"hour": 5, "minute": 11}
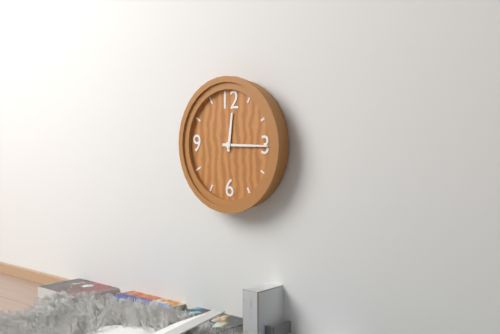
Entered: {"hour": 12, "minute": 15}
